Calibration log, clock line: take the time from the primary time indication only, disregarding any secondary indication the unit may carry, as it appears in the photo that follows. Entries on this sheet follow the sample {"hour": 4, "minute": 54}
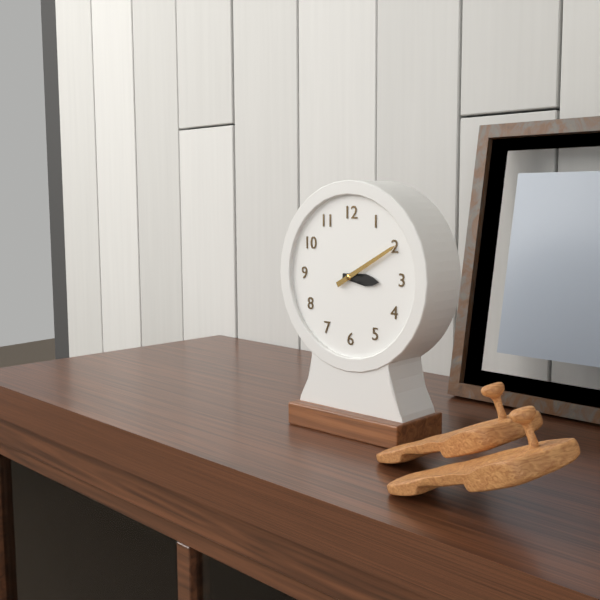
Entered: {"hour": 3, "minute": 10}
